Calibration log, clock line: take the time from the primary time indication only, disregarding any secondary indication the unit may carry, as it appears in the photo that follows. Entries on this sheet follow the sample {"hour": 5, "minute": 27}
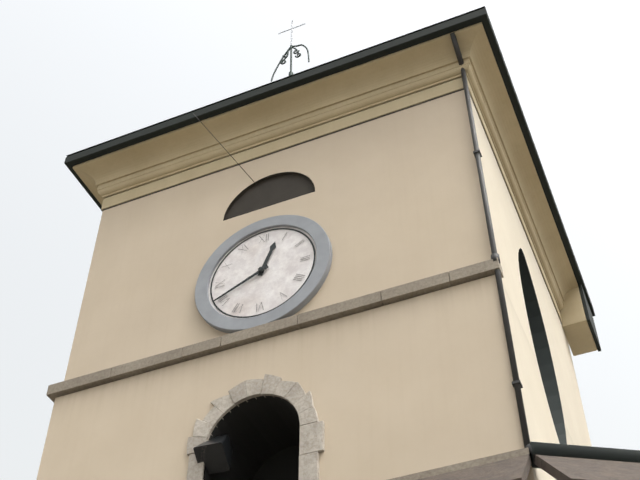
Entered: {"hour": 12, "minute": 41}
